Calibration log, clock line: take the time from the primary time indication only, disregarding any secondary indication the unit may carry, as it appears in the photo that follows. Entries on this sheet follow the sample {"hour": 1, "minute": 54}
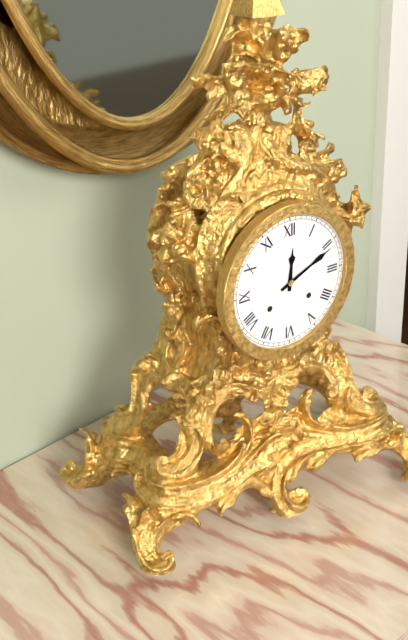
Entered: {"hour": 12, "minute": 11}
